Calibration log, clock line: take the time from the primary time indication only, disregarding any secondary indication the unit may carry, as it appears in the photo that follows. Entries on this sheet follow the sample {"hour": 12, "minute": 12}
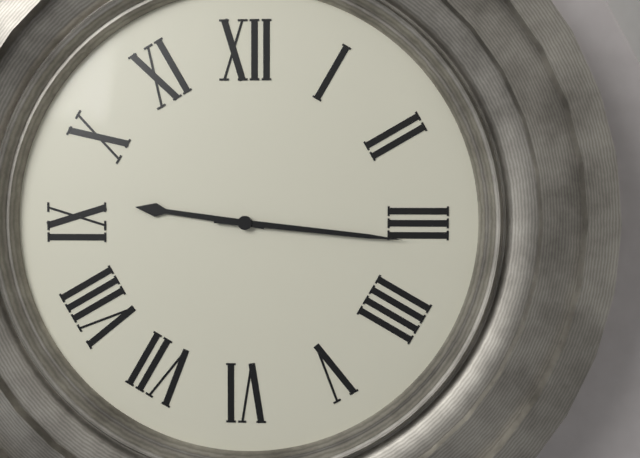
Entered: {"hour": 9, "minute": 16}
